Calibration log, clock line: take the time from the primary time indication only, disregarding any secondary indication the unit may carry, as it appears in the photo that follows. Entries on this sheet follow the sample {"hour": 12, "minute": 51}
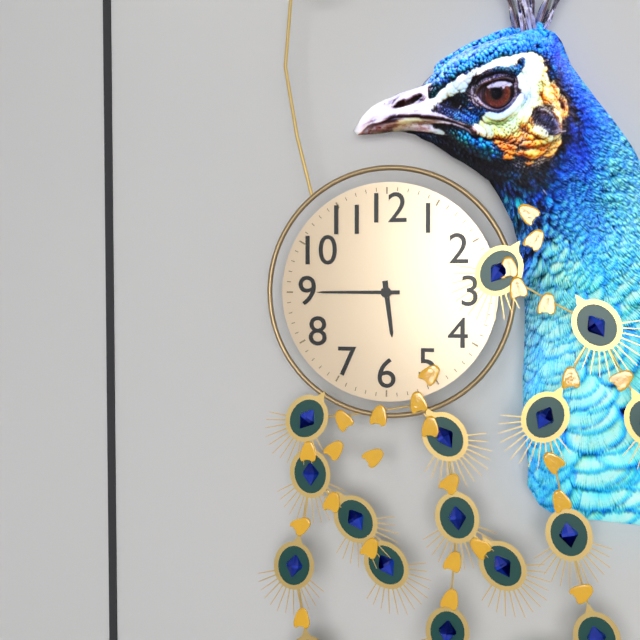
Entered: {"hour": 5, "minute": 45}
